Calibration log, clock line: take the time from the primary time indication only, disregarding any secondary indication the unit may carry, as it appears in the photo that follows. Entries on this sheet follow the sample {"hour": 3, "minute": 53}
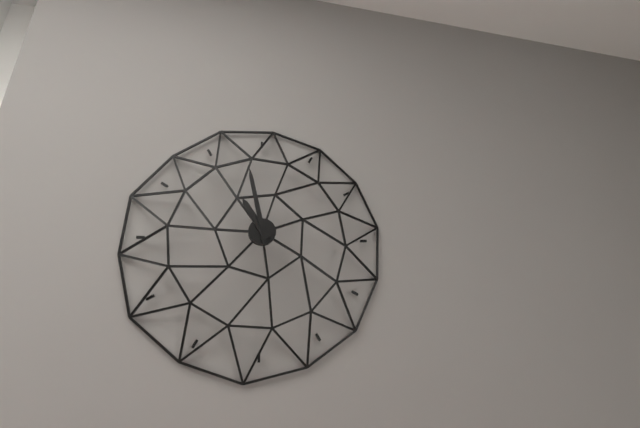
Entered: {"hour": 10, "minute": 58}
